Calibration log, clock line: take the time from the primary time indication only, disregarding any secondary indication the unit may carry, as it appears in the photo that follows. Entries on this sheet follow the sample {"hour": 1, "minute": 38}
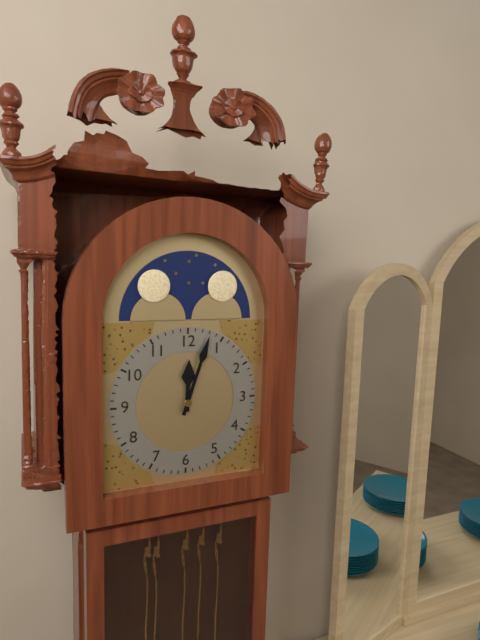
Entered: {"hour": 12, "minute": 3}
